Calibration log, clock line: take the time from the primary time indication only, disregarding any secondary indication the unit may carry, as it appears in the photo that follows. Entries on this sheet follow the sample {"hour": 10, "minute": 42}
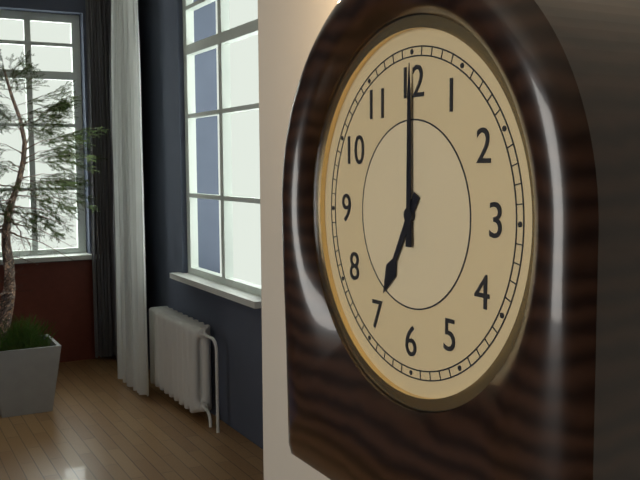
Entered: {"hour": 7, "minute": 0}
